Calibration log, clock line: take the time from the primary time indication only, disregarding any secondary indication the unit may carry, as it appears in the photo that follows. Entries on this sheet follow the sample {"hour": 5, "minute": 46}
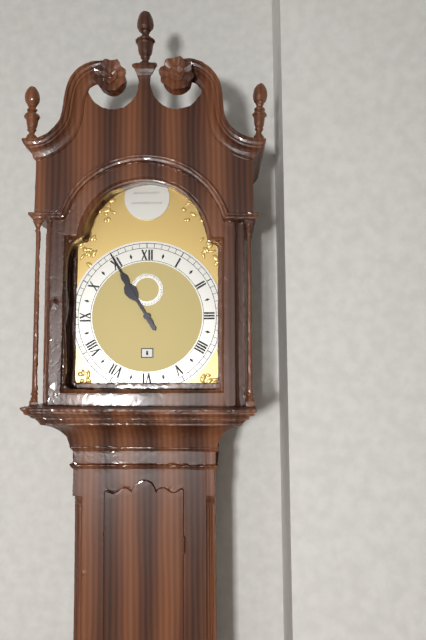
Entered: {"hour": 10, "minute": 55}
